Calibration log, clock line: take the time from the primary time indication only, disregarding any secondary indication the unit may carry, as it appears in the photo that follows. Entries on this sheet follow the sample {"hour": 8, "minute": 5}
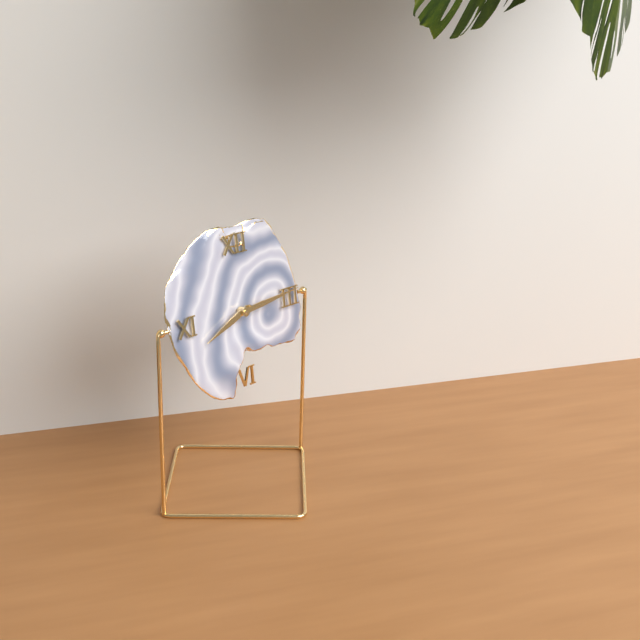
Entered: {"hour": 8, "minute": 14}
